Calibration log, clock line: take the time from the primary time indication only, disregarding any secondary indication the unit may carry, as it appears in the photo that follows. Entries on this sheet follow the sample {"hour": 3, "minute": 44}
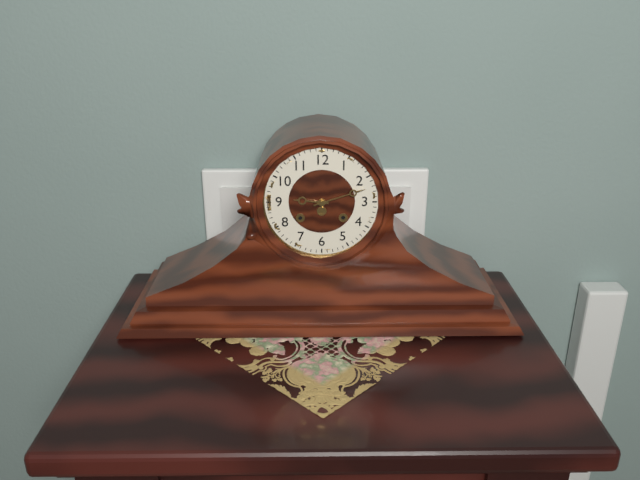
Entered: {"hour": 9, "minute": 12}
